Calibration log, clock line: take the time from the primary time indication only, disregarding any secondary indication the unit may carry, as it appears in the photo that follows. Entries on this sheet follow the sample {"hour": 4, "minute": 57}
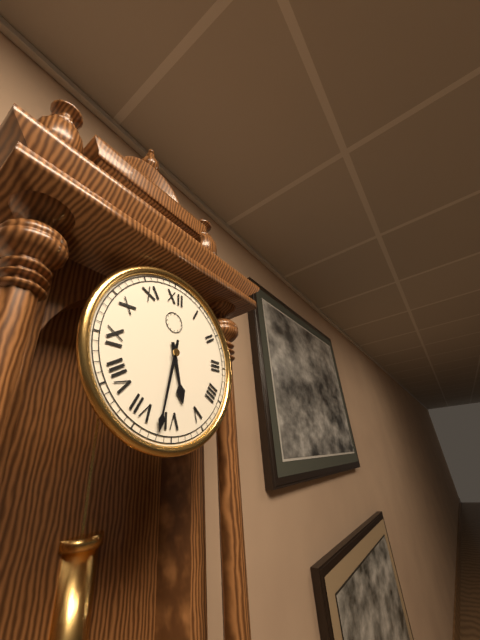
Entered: {"hour": 5, "minute": 32}
